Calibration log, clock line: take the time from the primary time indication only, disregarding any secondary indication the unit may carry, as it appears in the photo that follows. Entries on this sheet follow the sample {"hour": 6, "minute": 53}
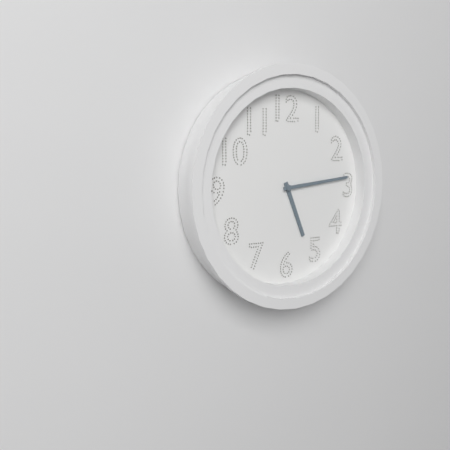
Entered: {"hour": 5, "minute": 14}
